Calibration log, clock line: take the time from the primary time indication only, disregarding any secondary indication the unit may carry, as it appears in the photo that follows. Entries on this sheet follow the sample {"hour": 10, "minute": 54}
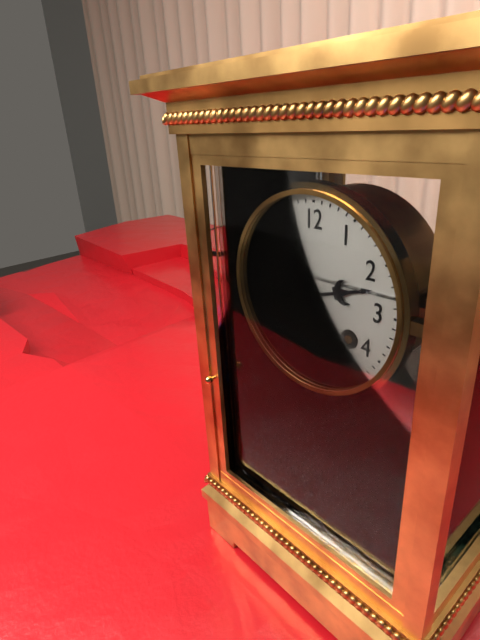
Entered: {"hour": 2, "minute": 25}
